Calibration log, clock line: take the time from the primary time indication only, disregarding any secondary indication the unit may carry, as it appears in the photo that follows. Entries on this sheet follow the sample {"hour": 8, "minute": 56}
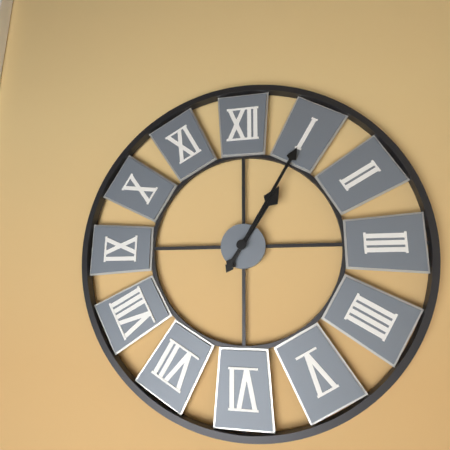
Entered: {"hour": 1, "minute": 5}
